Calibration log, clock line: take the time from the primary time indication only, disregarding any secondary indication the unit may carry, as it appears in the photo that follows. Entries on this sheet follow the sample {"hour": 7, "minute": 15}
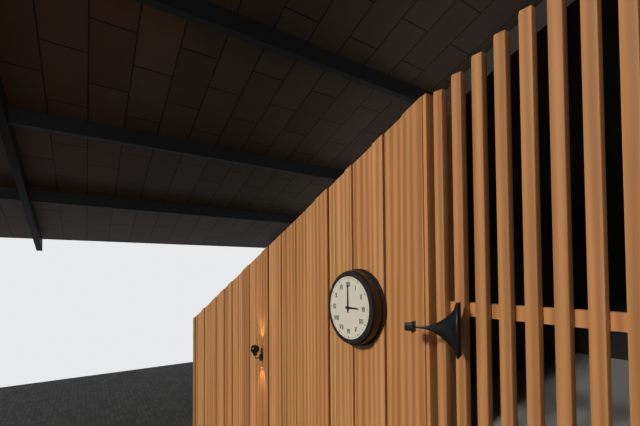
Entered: {"hour": 3, "minute": 0}
